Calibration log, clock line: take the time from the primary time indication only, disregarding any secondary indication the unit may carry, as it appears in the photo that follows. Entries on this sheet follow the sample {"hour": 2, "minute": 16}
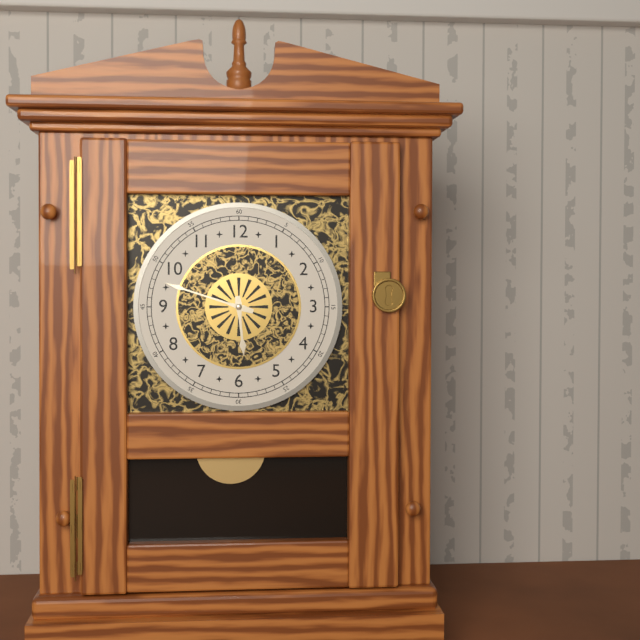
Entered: {"hour": 5, "minute": 48}
